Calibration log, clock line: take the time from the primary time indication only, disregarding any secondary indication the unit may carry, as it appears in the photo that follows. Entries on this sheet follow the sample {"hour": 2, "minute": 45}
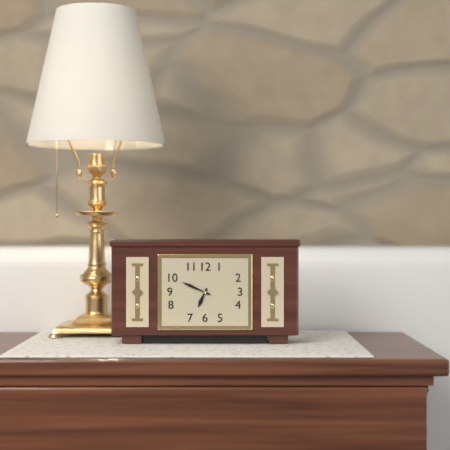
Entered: {"hour": 6, "minute": 49}
